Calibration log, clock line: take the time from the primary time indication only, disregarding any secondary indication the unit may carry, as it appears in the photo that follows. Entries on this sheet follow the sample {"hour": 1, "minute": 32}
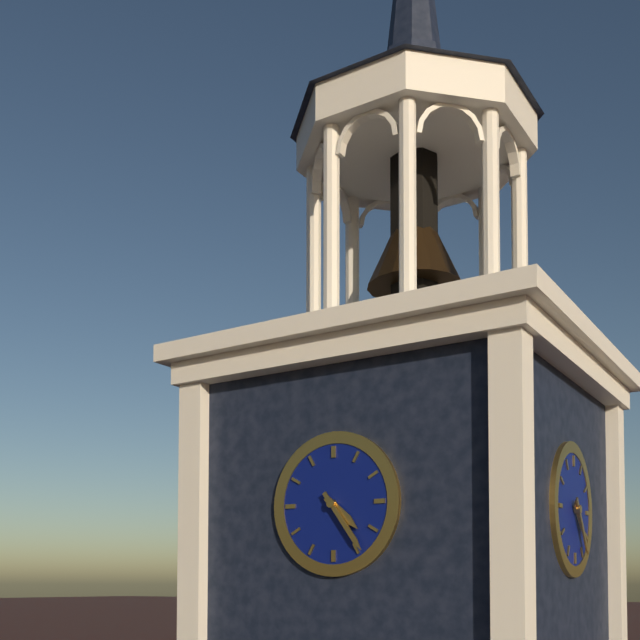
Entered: {"hour": 4, "minute": 24}
